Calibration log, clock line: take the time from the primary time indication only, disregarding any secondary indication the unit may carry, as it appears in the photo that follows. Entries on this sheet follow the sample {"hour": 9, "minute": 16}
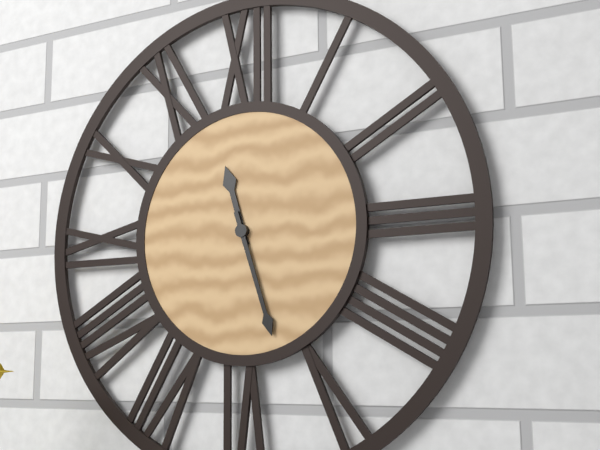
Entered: {"hour": 11, "minute": 27}
